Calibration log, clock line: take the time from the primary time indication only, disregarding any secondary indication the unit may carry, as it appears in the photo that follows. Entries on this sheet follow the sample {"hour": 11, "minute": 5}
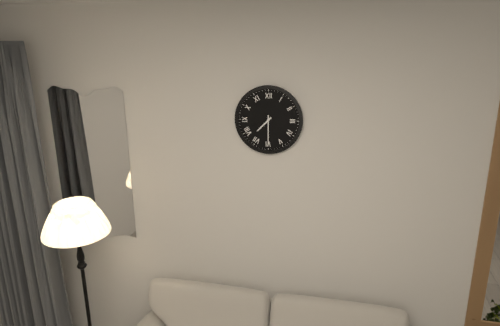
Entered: {"hour": 7, "minute": 30}
